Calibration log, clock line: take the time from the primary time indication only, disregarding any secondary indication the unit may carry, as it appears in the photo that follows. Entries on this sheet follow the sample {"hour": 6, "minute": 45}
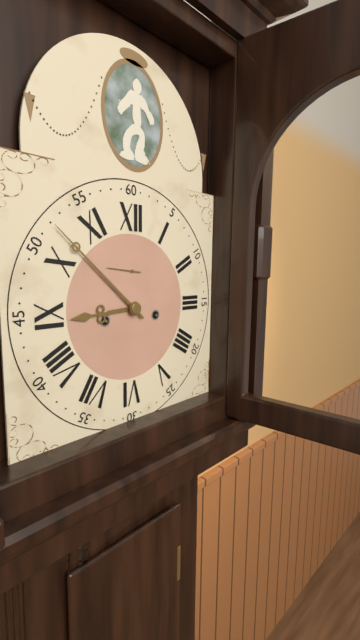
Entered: {"hour": 8, "minute": 52}
